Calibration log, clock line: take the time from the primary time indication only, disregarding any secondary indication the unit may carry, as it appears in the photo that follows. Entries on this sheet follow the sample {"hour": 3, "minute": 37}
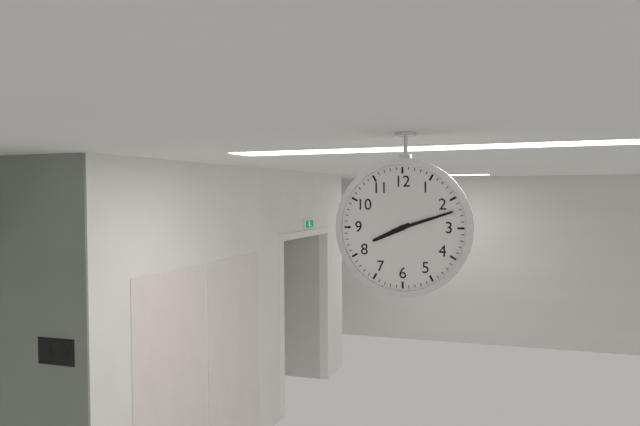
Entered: {"hour": 8, "minute": 12}
